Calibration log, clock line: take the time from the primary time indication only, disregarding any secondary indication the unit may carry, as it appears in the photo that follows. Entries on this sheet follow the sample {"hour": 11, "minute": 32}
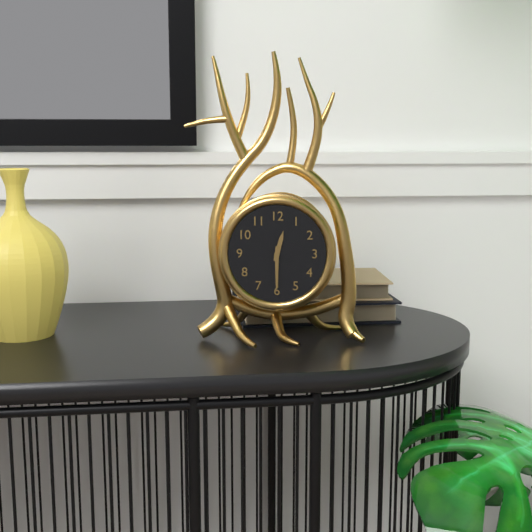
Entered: {"hour": 12, "minute": 30}
